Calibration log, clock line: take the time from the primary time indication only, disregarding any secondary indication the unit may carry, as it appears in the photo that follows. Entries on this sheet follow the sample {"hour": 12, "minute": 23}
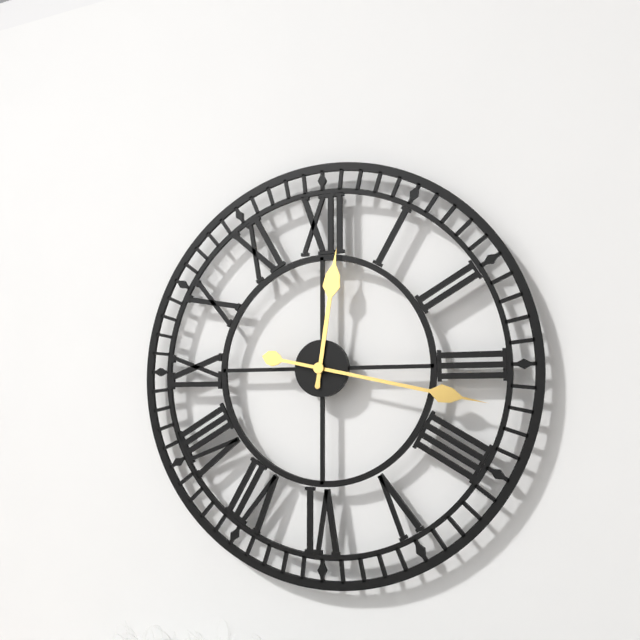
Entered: {"hour": 12, "minute": 17}
